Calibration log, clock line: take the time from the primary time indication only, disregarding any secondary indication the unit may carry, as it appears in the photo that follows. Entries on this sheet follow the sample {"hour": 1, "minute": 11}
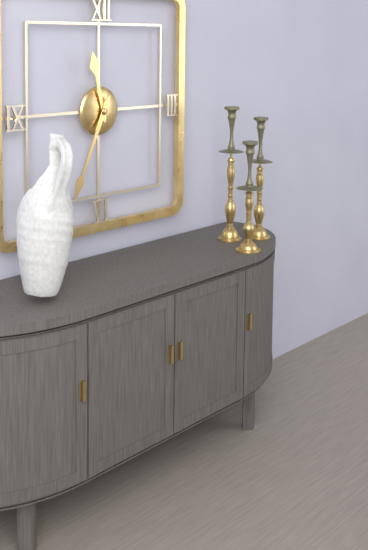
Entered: {"hour": 11, "minute": 34}
